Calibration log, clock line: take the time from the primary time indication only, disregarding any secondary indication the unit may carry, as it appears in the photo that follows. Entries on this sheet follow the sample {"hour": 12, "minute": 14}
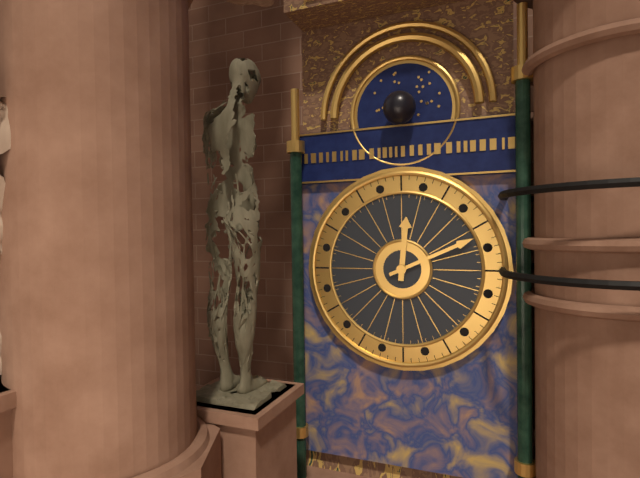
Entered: {"hour": 12, "minute": 11}
